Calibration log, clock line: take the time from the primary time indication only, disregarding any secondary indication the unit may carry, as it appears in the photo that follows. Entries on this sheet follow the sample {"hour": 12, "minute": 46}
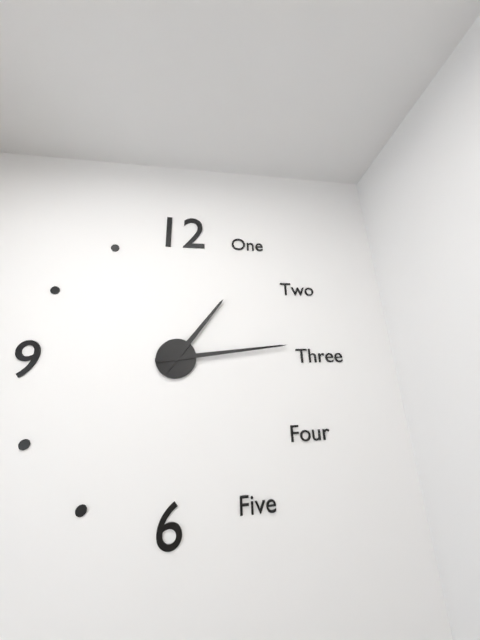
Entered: {"hour": 1, "minute": 14}
